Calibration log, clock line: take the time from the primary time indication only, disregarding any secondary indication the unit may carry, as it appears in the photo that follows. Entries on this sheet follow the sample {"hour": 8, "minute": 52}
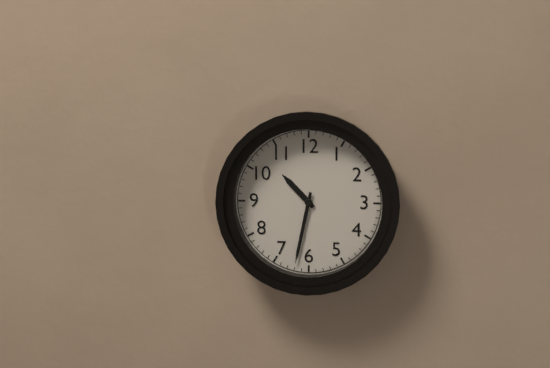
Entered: {"hour": 10, "minute": 32}
